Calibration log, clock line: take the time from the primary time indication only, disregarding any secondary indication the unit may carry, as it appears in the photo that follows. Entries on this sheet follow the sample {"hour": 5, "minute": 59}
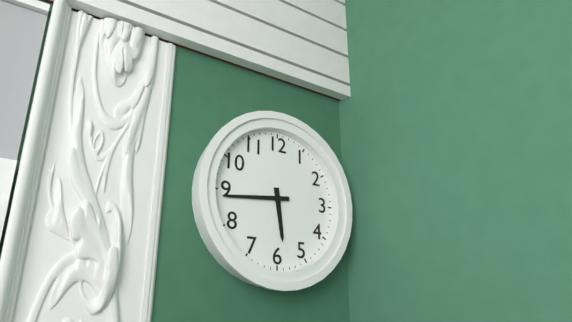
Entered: {"hour": 5, "minute": 44}
